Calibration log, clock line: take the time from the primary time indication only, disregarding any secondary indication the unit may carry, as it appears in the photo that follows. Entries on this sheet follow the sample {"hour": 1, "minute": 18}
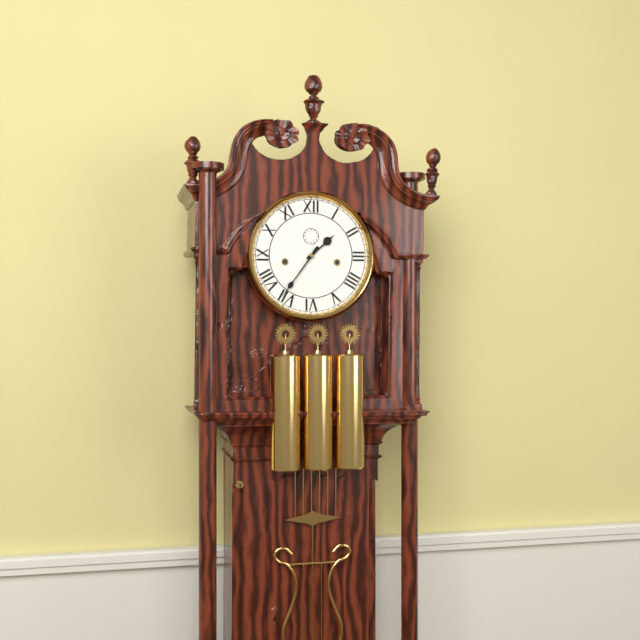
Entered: {"hour": 1, "minute": 36}
